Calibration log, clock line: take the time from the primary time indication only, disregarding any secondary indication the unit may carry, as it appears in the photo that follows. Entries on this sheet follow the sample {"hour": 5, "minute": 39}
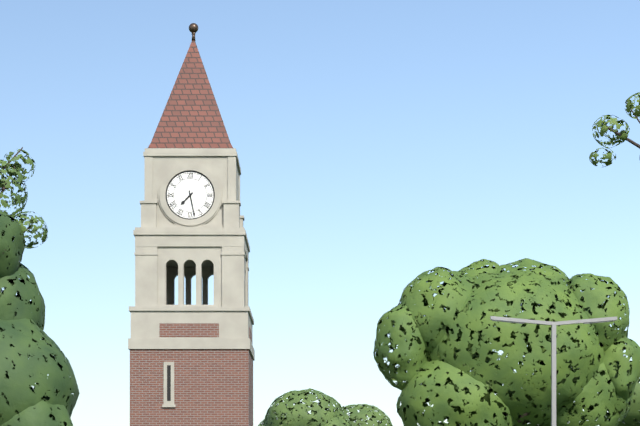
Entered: {"hour": 7, "minute": 28}
